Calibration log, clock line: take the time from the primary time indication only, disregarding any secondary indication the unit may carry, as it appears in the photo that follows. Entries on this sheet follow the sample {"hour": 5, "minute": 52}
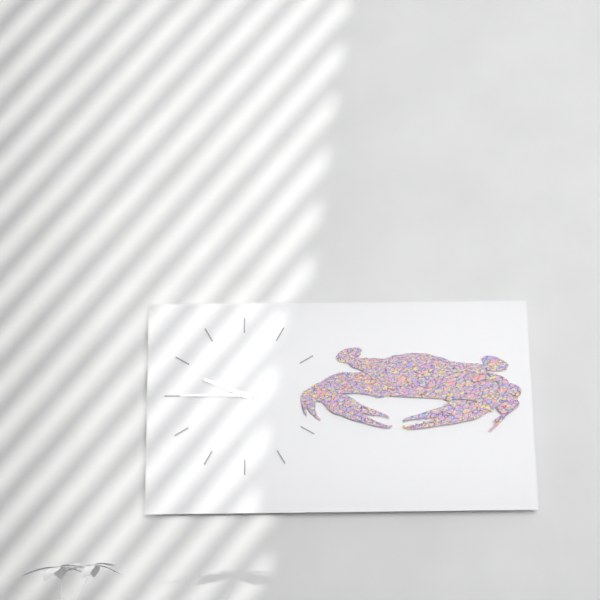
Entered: {"hour": 9, "minute": 45}
